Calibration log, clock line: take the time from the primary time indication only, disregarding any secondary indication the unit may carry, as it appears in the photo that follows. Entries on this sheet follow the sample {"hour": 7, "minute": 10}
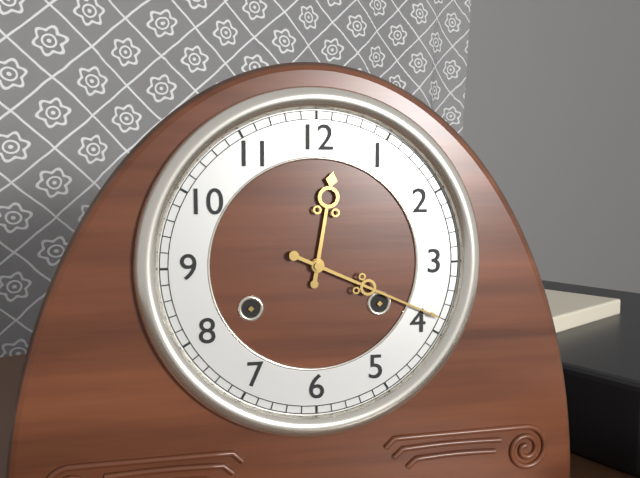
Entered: {"hour": 12, "minute": 19}
